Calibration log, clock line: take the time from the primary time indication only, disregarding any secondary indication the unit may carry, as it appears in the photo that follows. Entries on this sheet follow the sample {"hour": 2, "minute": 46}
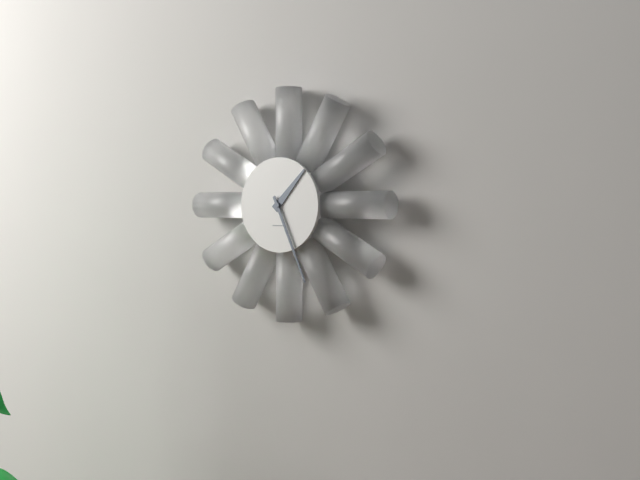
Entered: {"hour": 1, "minute": 26}
